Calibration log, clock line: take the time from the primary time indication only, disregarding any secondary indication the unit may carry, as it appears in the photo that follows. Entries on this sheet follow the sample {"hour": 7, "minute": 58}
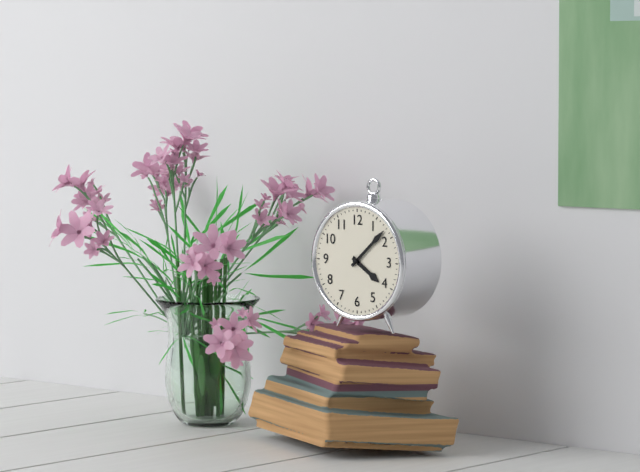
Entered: {"hour": 4, "minute": 8}
